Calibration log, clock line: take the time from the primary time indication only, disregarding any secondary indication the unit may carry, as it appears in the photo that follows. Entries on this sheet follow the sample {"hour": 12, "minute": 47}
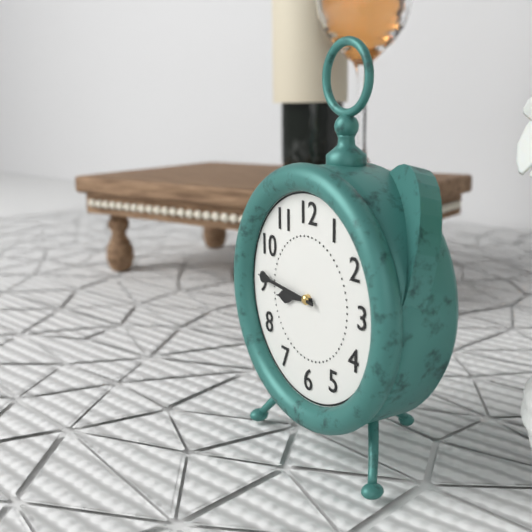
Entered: {"hour": 8, "minute": 46}
